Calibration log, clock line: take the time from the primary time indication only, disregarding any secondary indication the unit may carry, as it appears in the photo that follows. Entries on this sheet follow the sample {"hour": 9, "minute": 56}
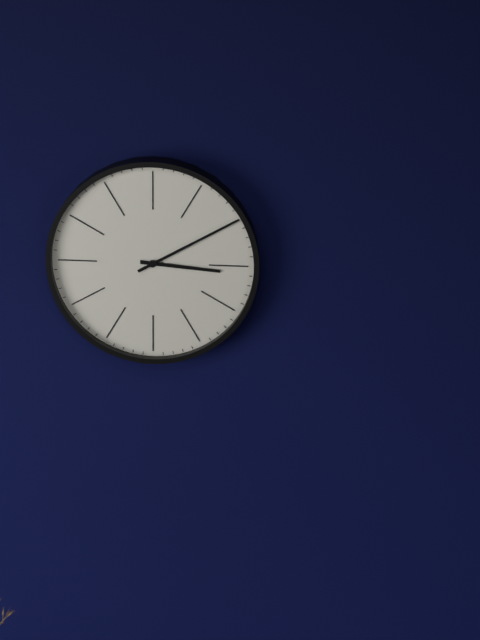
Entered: {"hour": 3, "minute": 10}
